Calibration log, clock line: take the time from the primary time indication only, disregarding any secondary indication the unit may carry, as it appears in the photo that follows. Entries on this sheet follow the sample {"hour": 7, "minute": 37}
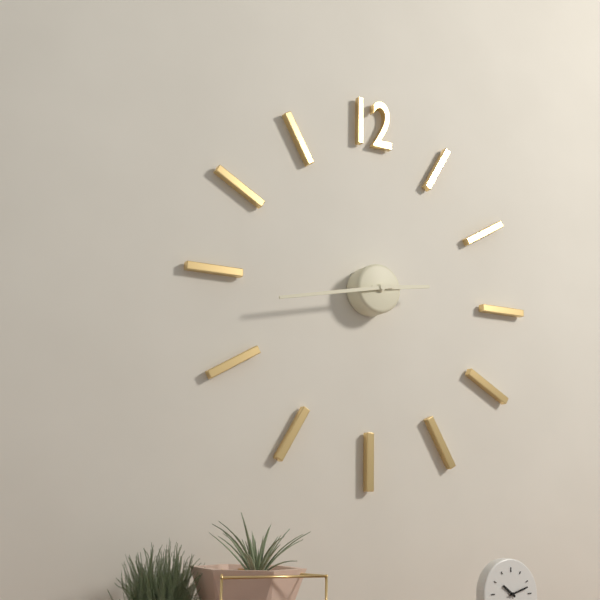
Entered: {"hour": 2, "minute": 43}
